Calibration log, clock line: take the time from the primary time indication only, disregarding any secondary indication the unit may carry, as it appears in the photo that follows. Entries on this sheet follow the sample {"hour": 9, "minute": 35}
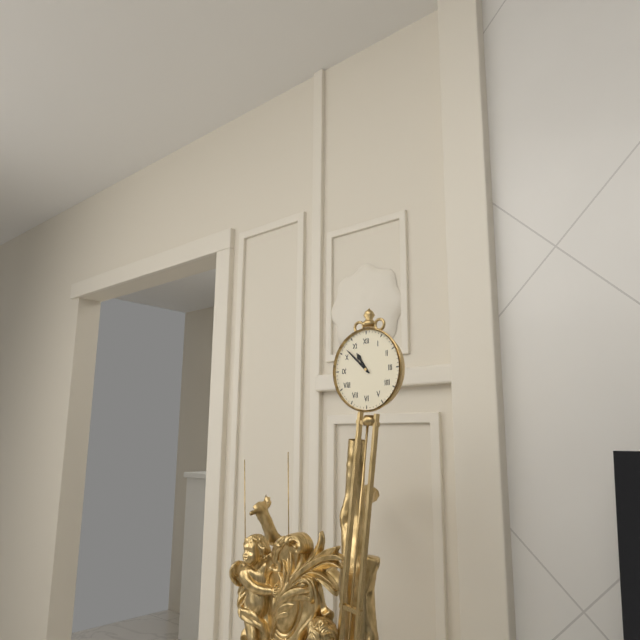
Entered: {"hour": 10, "minute": 52}
